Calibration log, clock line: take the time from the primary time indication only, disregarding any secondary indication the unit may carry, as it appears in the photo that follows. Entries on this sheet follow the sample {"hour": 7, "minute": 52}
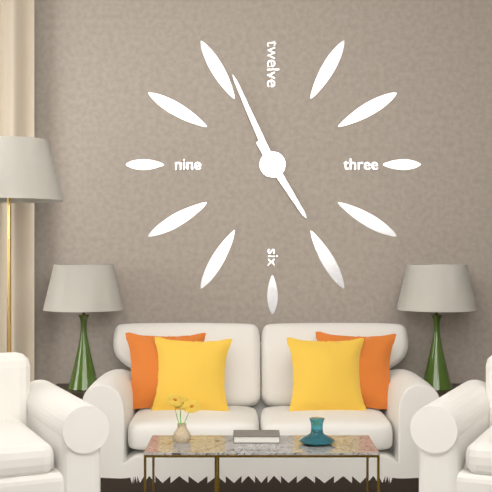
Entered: {"hour": 4, "minute": 56}
